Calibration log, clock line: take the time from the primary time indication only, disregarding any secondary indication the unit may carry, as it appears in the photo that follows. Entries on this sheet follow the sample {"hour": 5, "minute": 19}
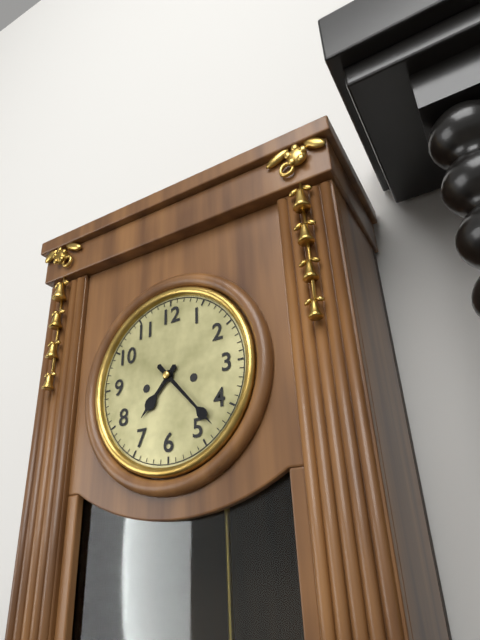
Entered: {"hour": 7, "minute": 23}
